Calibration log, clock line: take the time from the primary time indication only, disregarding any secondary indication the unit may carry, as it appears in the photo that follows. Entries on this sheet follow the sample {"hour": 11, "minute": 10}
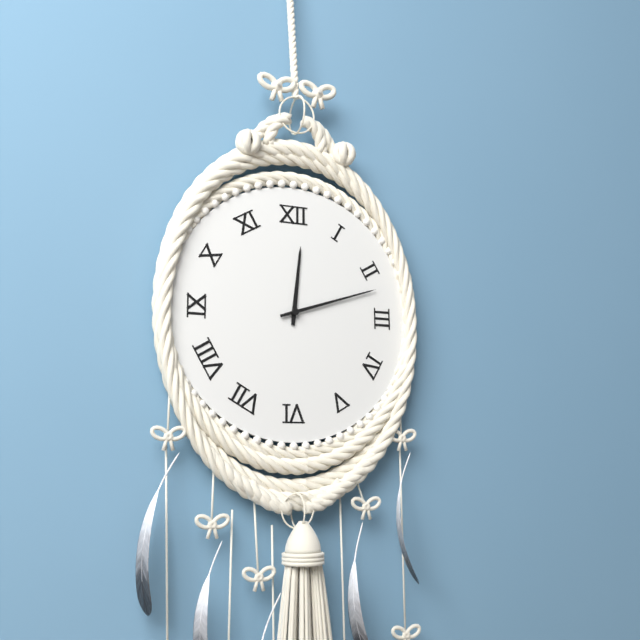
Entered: {"hour": 12, "minute": 12}
